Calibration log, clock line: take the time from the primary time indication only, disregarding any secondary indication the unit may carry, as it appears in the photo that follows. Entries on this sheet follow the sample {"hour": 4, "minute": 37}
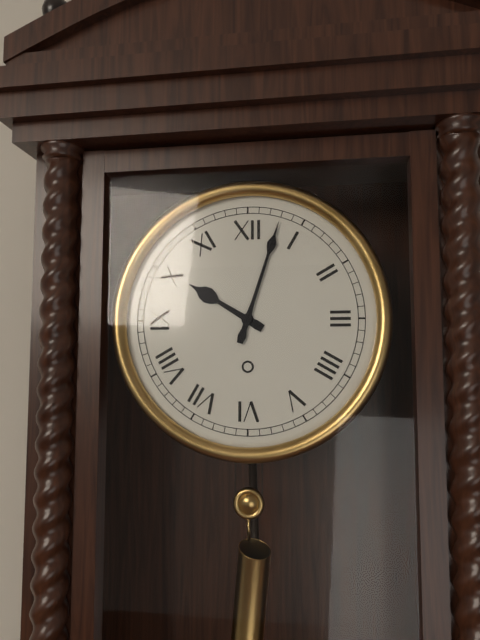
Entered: {"hour": 10, "minute": 3}
